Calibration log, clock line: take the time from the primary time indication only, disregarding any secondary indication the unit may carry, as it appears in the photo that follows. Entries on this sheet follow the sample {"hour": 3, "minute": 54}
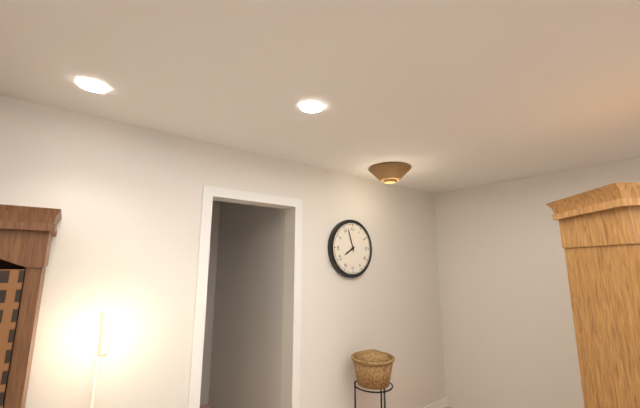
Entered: {"hour": 7, "minute": 57}
